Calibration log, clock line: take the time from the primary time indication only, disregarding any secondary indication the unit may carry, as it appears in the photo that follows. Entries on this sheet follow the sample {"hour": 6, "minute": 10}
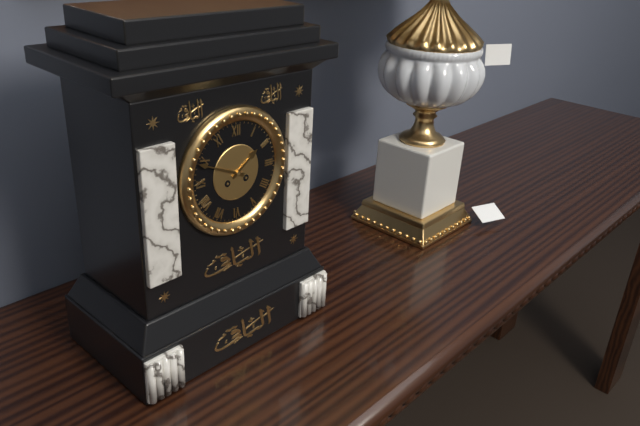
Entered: {"hour": 1, "minute": 49}
